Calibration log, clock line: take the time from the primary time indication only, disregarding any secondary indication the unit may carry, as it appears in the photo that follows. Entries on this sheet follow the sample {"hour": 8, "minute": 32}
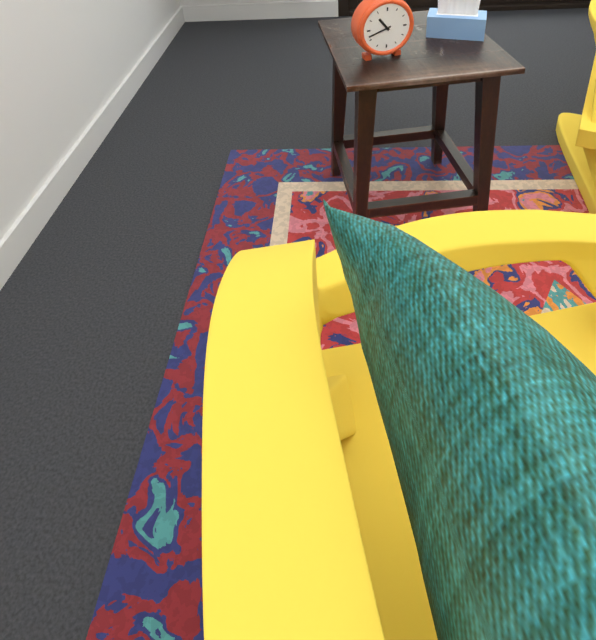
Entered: {"hour": 10, "minute": 42}
